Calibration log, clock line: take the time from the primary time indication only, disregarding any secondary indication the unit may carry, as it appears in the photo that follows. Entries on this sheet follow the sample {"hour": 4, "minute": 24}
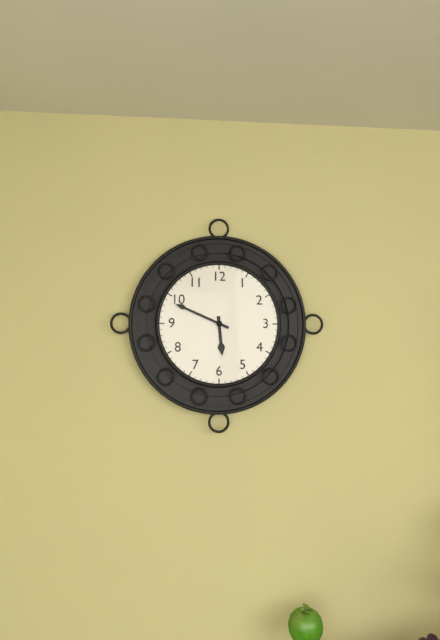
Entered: {"hour": 5, "minute": 49}
